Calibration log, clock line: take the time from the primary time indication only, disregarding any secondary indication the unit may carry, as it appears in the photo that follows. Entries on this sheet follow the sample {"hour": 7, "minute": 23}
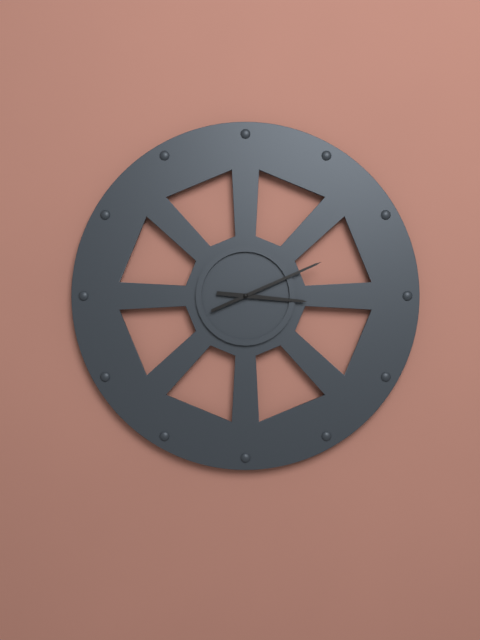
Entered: {"hour": 3, "minute": 11}
